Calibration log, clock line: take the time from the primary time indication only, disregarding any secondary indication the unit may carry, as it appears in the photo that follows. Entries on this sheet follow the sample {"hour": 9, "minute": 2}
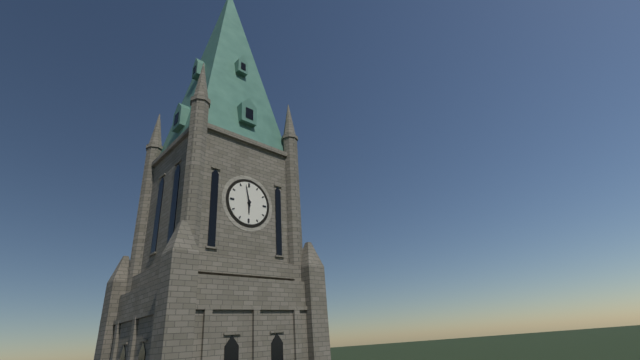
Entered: {"hour": 5, "minute": 58}
